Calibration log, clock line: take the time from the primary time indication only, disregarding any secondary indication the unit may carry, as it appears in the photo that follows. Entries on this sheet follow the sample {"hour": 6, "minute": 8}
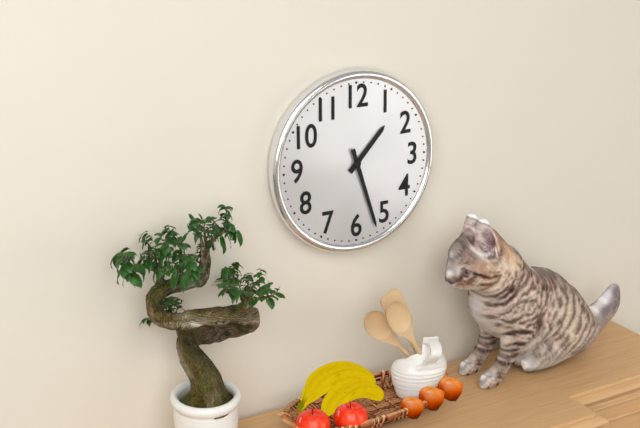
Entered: {"hour": 1, "minute": 27}
